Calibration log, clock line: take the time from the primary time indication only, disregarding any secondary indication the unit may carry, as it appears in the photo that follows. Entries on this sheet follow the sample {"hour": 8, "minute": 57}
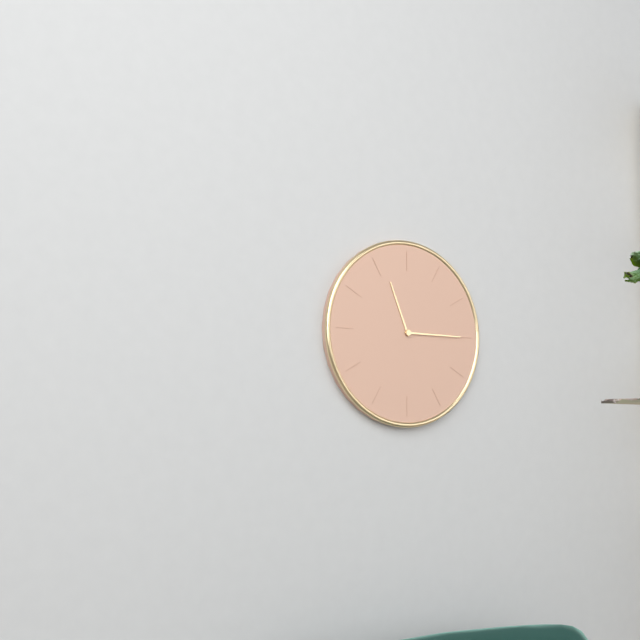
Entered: {"hour": 11, "minute": 15}
